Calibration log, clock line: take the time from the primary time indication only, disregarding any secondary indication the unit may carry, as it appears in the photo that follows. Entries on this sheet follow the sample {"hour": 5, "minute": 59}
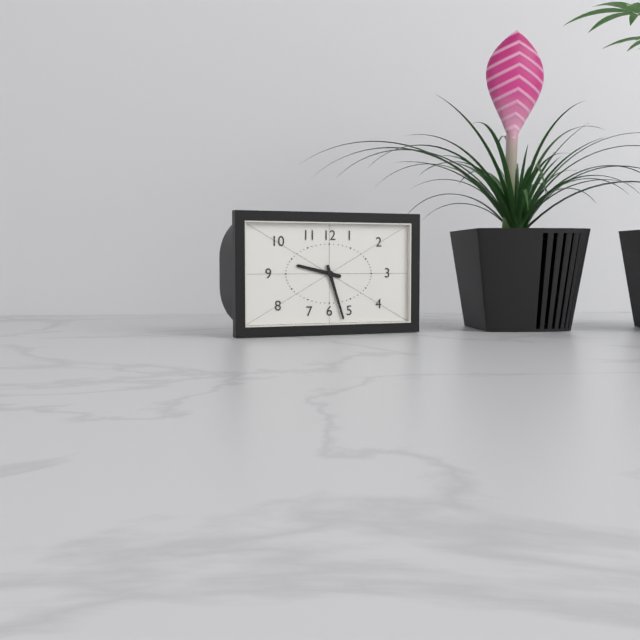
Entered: {"hour": 9, "minute": 27}
